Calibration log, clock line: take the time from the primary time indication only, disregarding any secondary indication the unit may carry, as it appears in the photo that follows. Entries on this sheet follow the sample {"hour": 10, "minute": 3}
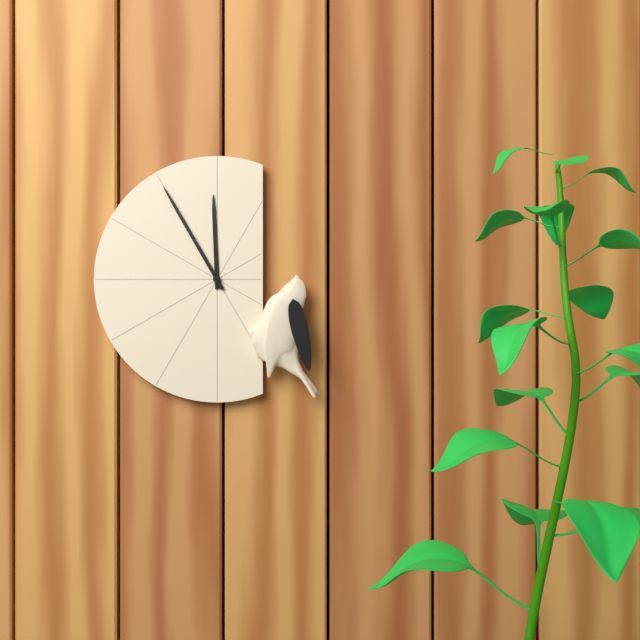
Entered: {"hour": 11, "minute": 55}
